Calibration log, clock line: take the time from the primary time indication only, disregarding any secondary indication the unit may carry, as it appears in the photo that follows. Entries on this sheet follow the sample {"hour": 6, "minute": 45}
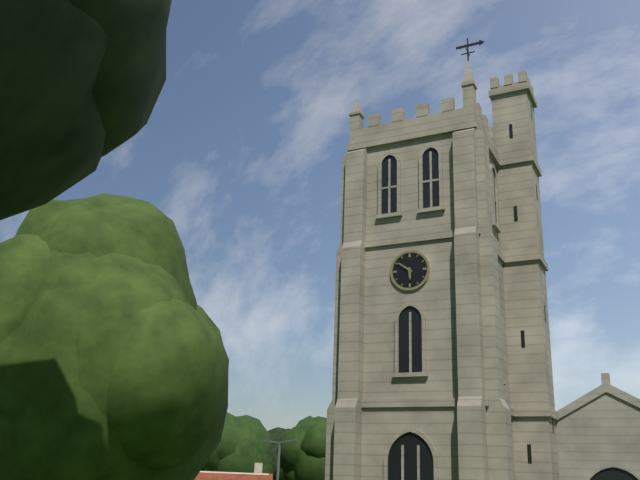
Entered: {"hour": 5, "minute": 51}
